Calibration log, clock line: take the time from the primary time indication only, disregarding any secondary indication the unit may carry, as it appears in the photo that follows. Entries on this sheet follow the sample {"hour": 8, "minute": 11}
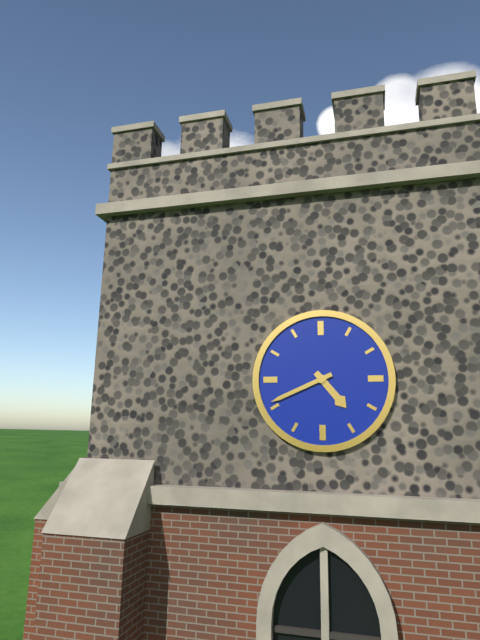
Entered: {"hour": 4, "minute": 41}
